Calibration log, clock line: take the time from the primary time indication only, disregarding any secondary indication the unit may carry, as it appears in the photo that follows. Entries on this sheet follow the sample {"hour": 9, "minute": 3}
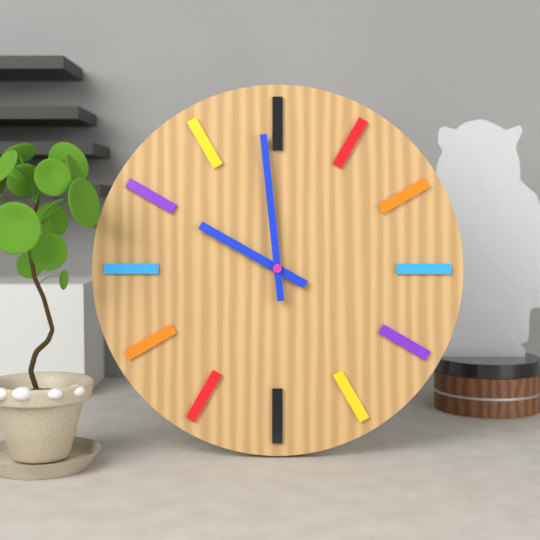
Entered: {"hour": 9, "minute": 59}
